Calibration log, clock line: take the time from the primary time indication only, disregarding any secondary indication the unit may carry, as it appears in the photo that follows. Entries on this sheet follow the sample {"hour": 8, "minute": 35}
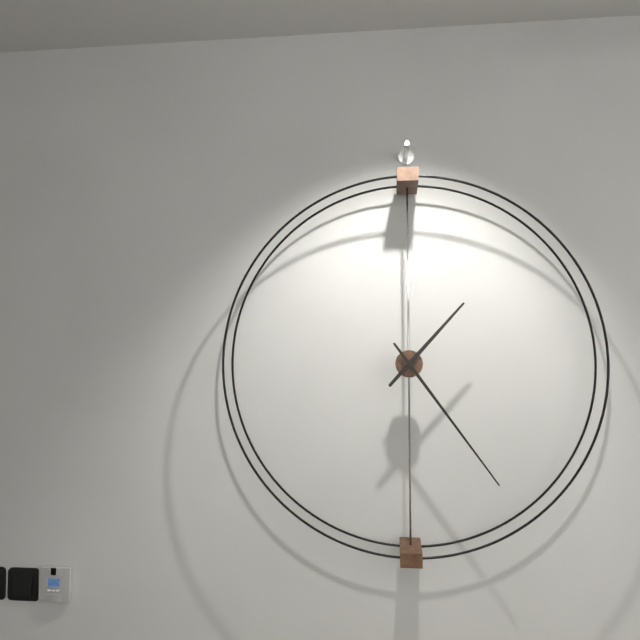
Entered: {"hour": 1, "minute": 24}
